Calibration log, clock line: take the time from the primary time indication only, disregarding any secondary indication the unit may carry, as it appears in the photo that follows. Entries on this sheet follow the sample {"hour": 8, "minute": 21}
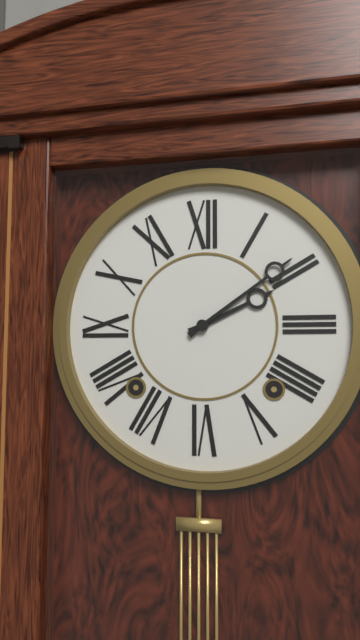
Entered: {"hour": 2, "minute": 9}
